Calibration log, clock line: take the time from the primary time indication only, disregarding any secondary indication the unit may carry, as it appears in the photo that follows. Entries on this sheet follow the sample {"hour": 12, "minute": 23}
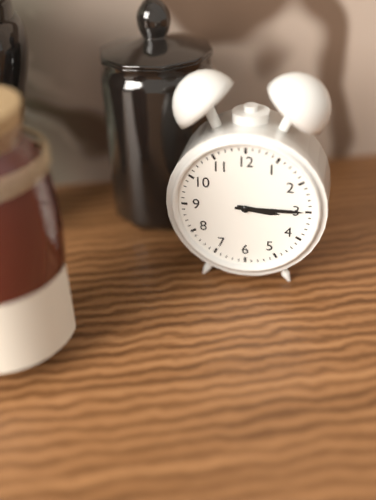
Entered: {"hour": 3, "minute": 15}
